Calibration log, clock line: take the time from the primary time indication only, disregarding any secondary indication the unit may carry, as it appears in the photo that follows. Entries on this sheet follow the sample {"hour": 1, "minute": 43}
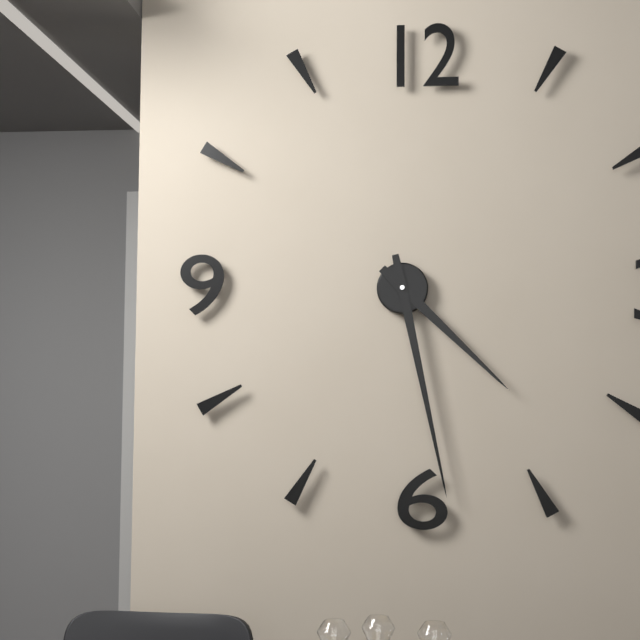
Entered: {"hour": 4, "minute": 28}
